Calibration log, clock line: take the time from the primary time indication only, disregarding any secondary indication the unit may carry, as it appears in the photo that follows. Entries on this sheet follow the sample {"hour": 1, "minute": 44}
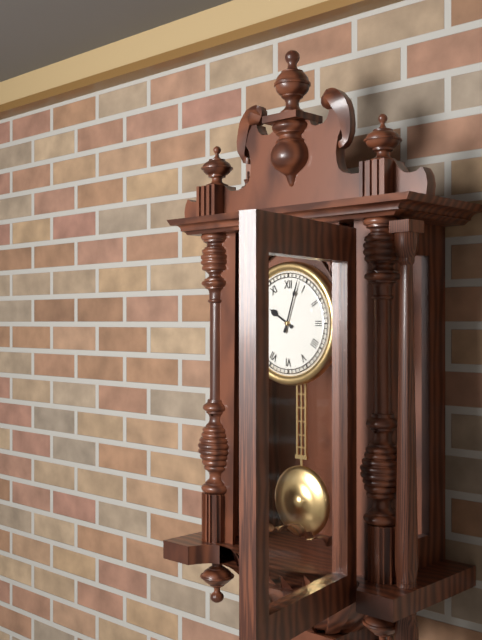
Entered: {"hour": 10, "minute": 3}
